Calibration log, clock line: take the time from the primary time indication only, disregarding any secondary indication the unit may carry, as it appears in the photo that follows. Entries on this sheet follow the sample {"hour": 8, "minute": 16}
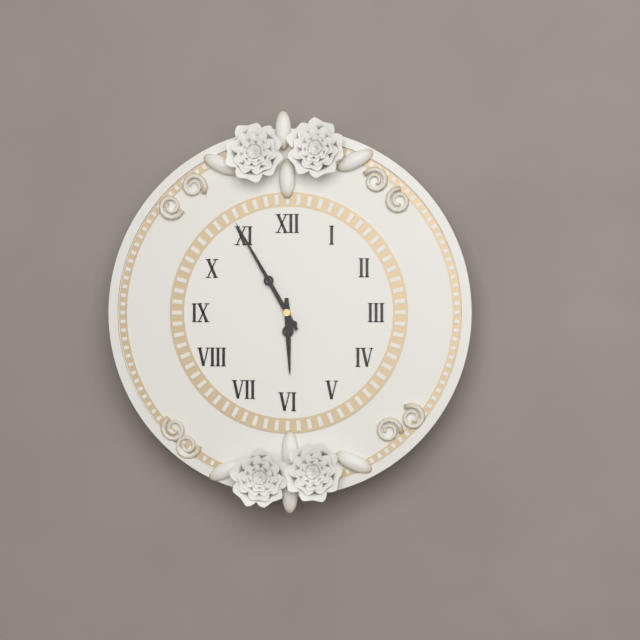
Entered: {"hour": 5, "minute": 55}
